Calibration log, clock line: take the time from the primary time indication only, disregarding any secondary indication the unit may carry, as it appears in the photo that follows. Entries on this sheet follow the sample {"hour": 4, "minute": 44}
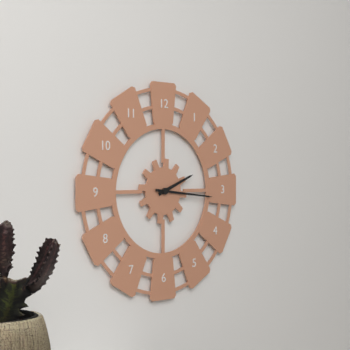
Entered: {"hour": 2, "minute": 16}
